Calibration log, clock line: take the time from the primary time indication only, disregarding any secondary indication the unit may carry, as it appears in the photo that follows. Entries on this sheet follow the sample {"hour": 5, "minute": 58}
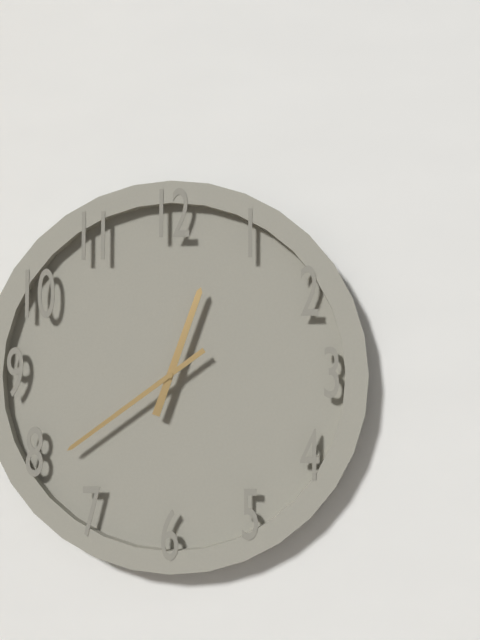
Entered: {"hour": 12, "minute": 39}
